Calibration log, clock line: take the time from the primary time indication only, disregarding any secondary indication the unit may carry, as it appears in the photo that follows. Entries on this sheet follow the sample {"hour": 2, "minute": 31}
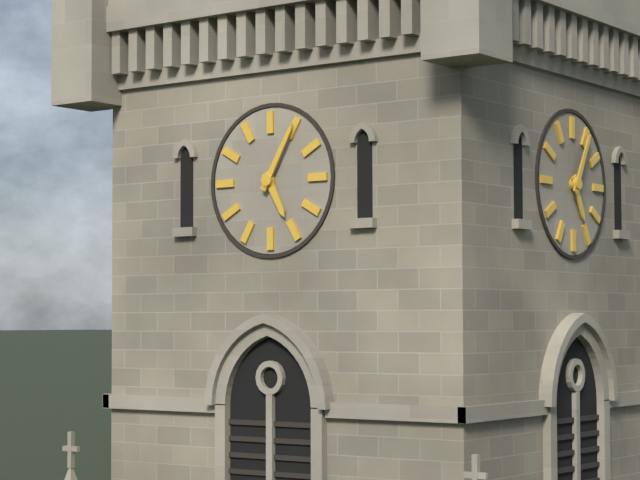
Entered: {"hour": 5, "minute": 5}
